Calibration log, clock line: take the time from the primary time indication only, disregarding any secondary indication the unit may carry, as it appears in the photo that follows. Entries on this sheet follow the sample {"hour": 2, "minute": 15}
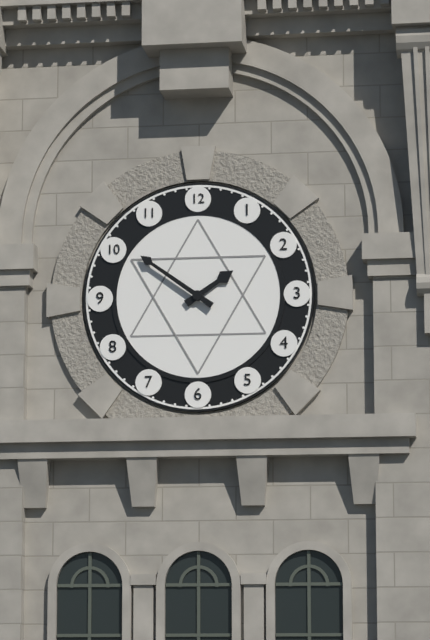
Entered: {"hour": 1, "minute": 51}
